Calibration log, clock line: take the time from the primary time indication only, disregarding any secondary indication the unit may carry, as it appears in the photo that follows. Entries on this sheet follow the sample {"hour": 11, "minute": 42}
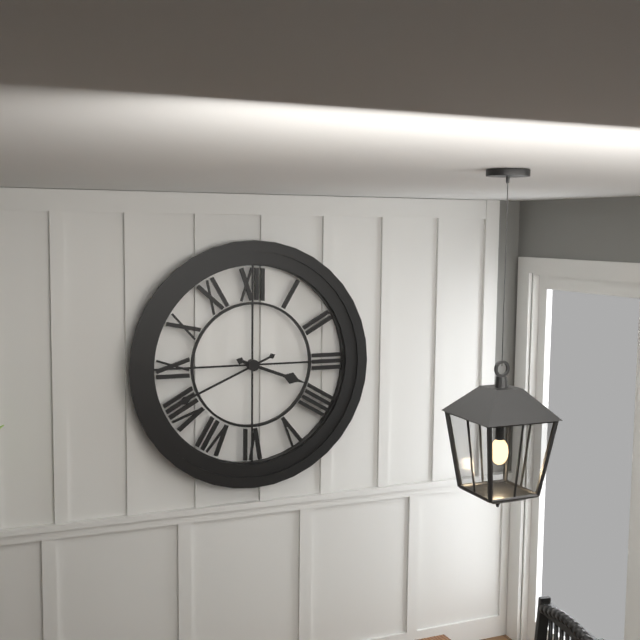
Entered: {"hour": 3, "minute": 41}
